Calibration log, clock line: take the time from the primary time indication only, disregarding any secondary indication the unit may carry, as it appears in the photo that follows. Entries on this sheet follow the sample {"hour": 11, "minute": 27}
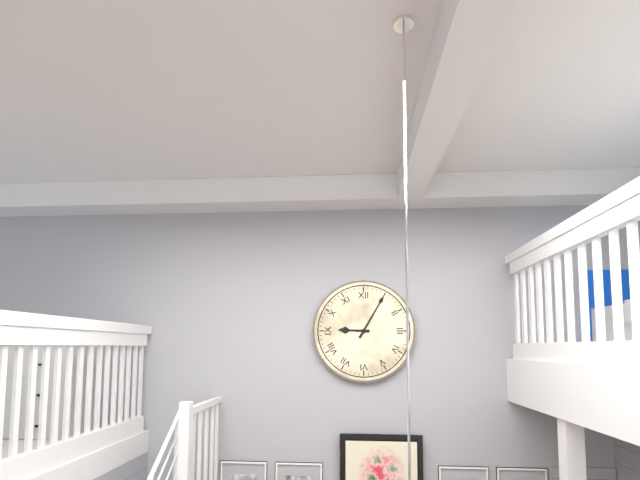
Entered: {"hour": 9, "minute": 5}
